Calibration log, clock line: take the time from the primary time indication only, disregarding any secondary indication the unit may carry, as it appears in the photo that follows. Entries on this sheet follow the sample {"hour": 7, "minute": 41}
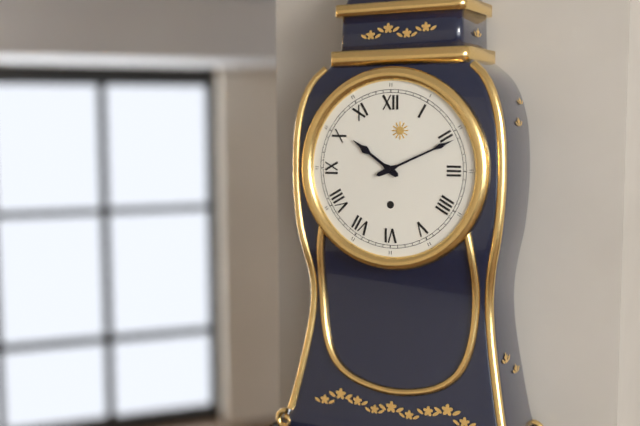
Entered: {"hour": 10, "minute": 11}
